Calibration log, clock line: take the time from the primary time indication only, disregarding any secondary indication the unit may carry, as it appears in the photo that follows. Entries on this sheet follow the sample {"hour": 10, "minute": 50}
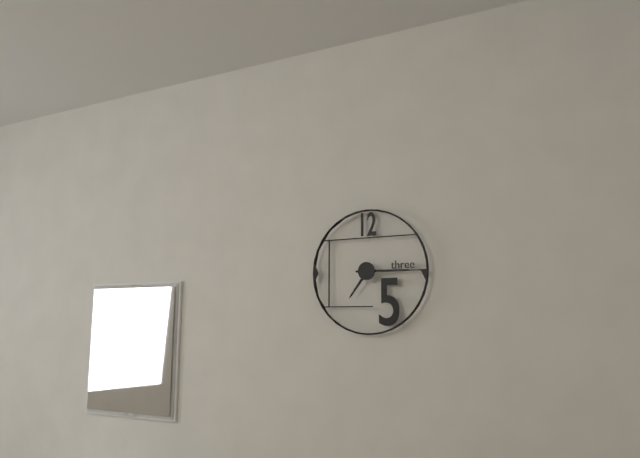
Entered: {"hour": 7, "minute": 15}
